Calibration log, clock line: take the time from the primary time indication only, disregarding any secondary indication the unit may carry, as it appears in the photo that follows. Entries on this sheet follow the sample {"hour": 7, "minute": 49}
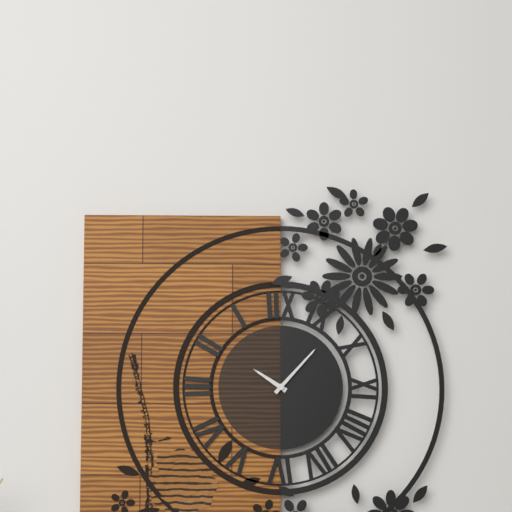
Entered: {"hour": 10, "minute": 7}
